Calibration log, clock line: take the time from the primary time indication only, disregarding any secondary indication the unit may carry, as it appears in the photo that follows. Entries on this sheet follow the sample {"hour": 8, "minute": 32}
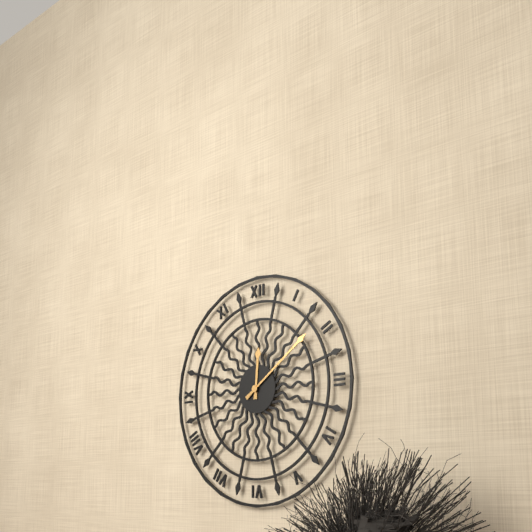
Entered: {"hour": 12, "minute": 9}
